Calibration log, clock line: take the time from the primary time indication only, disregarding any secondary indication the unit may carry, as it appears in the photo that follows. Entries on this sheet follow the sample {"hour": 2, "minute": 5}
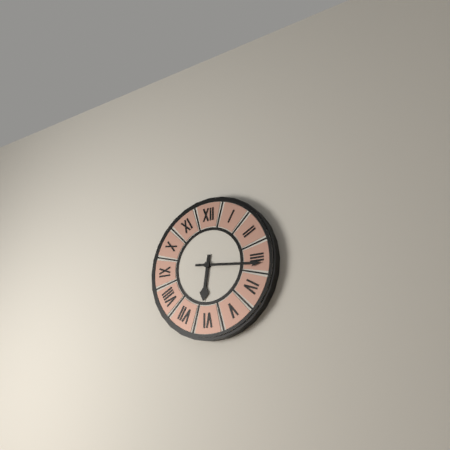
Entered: {"hour": 6, "minute": 16}
